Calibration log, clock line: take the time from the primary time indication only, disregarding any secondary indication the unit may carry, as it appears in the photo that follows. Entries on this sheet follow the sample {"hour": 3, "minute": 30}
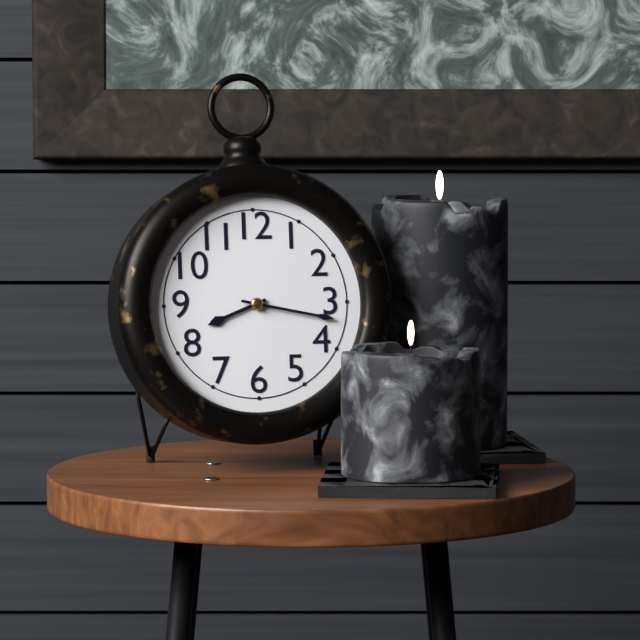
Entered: {"hour": 8, "minute": 17}
